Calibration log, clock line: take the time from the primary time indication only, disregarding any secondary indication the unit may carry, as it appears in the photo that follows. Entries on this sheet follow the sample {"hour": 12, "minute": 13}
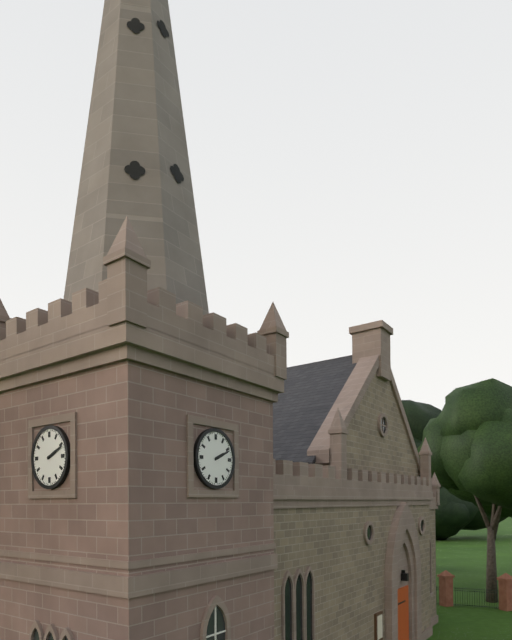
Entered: {"hour": 2, "minute": 11}
